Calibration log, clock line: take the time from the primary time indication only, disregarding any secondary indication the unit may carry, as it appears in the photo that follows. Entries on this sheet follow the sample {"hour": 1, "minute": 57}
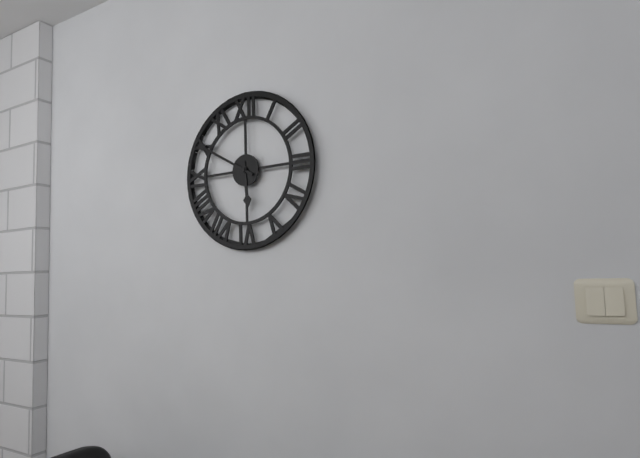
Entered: {"hour": 5, "minute": 50}
